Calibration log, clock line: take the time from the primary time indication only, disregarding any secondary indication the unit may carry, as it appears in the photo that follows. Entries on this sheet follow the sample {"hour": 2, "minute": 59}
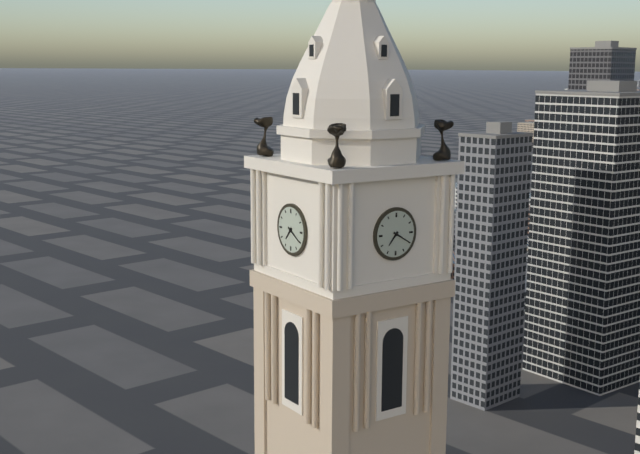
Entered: {"hour": 7, "minute": 20}
